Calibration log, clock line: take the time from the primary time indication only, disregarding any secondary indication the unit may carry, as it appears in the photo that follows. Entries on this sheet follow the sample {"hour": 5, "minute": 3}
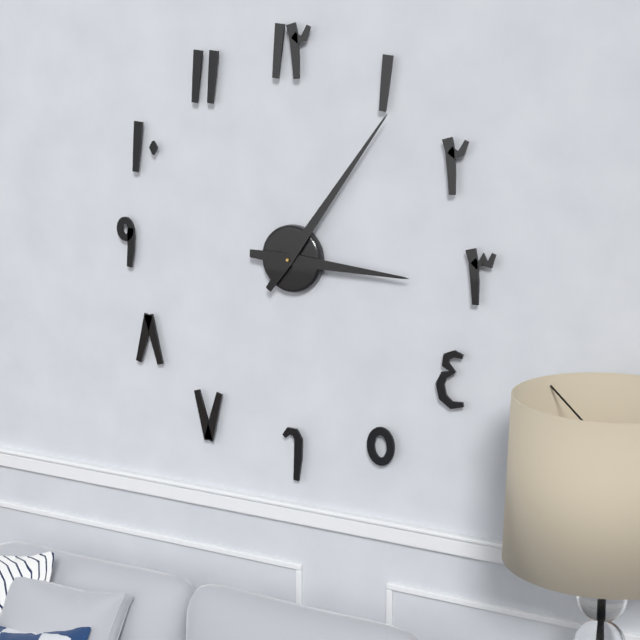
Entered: {"hour": 3, "minute": 6}
